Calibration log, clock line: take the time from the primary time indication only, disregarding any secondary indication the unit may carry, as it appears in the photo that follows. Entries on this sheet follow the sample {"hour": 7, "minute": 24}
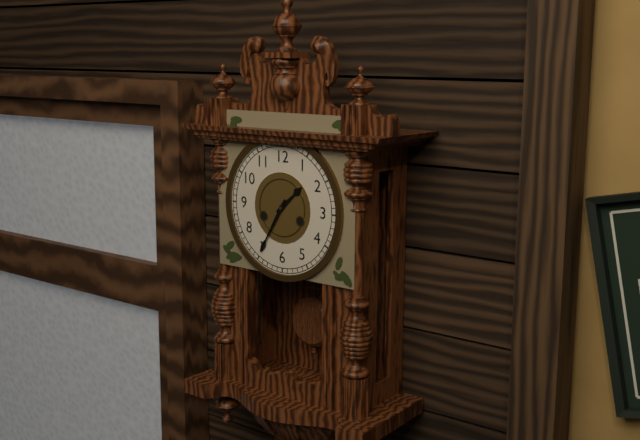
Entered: {"hour": 1, "minute": 35}
